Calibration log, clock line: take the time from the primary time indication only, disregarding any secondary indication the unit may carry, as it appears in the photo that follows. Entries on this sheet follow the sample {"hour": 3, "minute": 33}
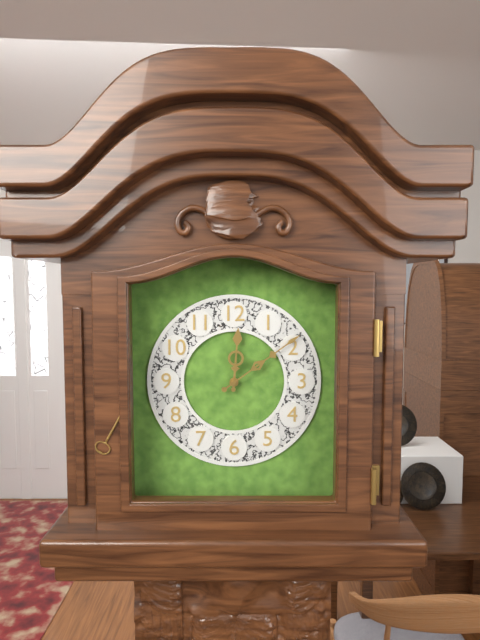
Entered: {"hour": 12, "minute": 9}
